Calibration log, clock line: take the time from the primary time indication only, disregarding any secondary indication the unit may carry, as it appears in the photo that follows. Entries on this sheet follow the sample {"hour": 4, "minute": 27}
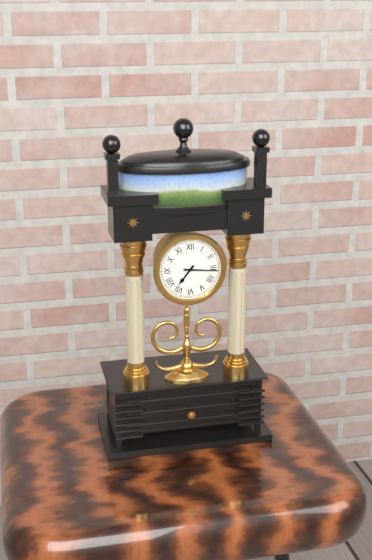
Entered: {"hour": 7, "minute": 16}
